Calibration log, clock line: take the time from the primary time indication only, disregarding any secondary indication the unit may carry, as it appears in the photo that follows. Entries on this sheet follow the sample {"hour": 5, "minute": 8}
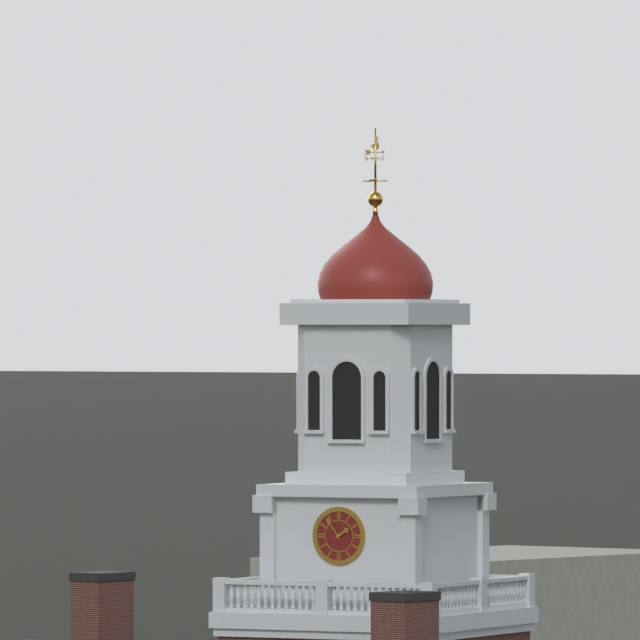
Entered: {"hour": 1, "minute": 54}
